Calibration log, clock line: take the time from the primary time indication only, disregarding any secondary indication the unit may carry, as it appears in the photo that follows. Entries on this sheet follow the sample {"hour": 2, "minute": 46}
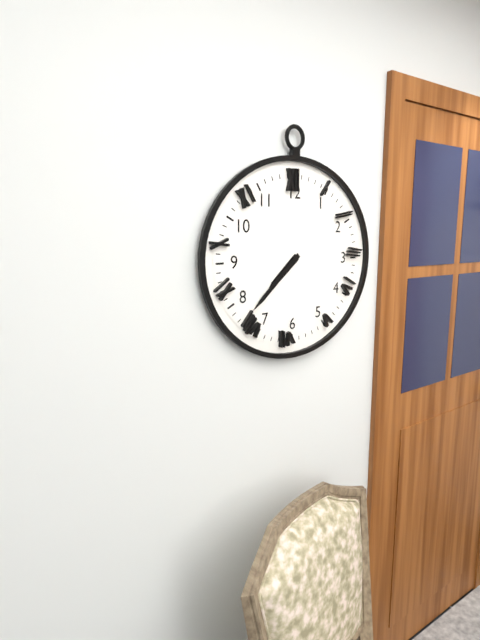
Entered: {"hour": 7, "minute": 38}
